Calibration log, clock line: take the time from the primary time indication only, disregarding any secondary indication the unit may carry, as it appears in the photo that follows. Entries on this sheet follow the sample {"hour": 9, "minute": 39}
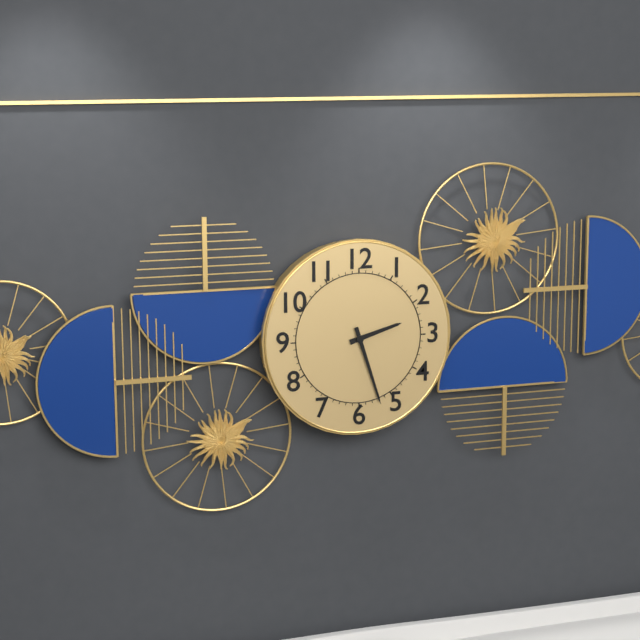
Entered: {"hour": 2, "minute": 27}
